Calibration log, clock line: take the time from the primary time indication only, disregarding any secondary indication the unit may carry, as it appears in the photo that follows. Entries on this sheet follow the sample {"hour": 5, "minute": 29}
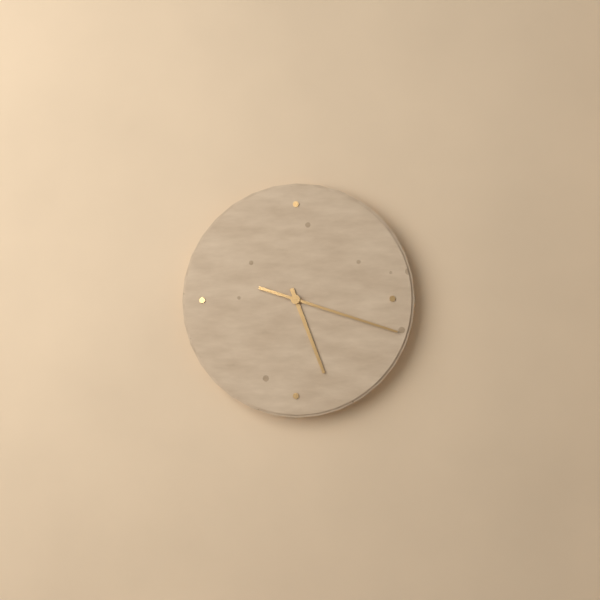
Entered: {"hour": 5, "minute": 18}
